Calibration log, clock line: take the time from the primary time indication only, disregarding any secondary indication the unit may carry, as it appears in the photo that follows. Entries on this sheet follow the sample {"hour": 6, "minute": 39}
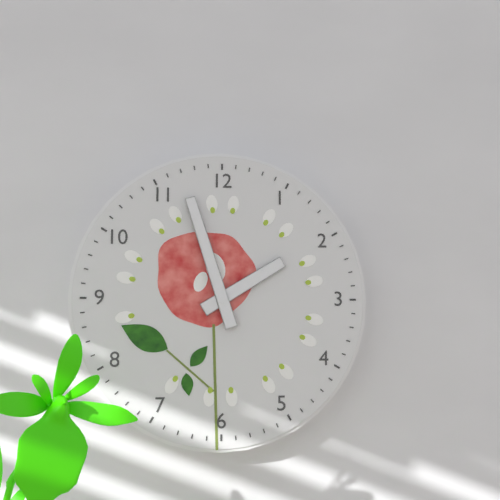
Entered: {"hour": 1, "minute": 57}
